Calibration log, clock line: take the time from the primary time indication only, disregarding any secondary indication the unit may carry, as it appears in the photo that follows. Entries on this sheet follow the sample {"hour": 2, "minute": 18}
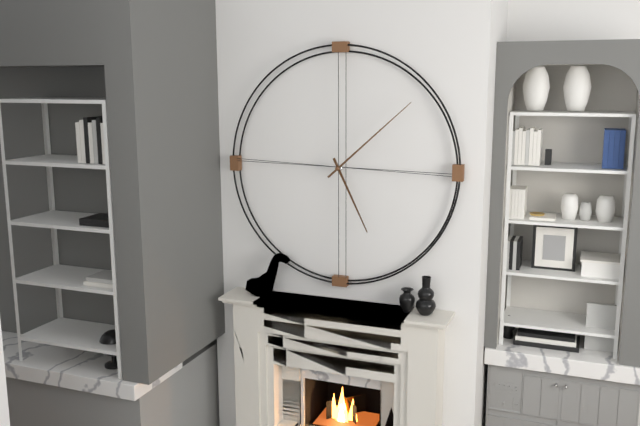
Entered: {"hour": 5, "minute": 8}
